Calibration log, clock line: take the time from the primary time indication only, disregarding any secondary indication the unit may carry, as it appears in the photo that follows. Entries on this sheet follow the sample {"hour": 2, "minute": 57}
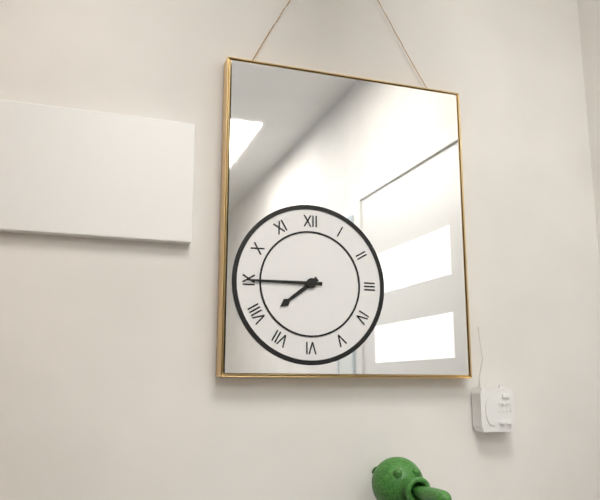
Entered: {"hour": 7, "minute": 45}
